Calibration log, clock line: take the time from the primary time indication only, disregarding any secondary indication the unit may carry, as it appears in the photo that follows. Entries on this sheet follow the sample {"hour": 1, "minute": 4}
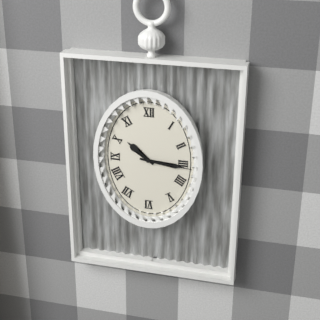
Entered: {"hour": 10, "minute": 16}
